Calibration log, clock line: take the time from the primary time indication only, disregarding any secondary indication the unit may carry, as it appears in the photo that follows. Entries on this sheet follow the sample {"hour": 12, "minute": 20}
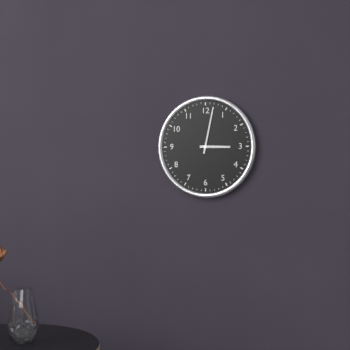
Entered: {"hour": 3, "minute": 2}
